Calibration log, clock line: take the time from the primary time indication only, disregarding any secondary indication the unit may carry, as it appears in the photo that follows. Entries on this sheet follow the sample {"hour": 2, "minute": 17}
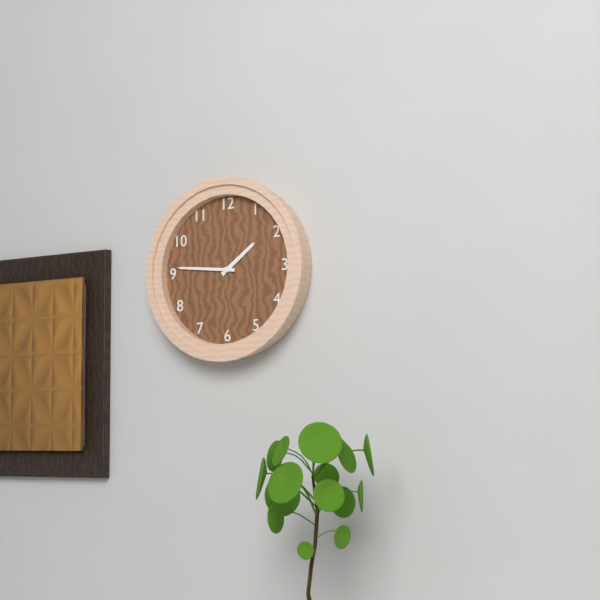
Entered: {"hour": 1, "minute": 46}
